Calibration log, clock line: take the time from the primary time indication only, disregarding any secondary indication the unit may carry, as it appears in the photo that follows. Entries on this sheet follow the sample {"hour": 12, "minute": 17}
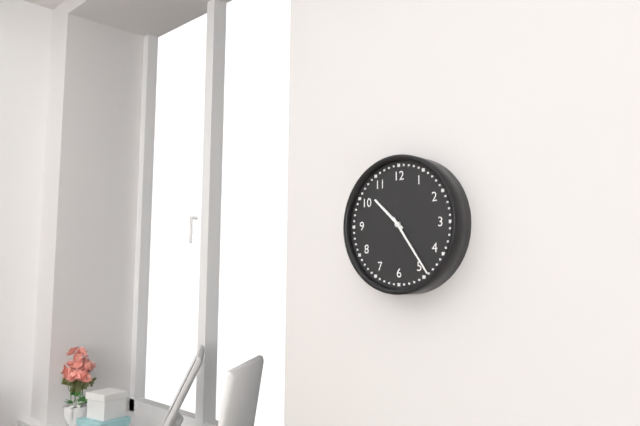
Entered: {"hour": 10, "minute": 24}
